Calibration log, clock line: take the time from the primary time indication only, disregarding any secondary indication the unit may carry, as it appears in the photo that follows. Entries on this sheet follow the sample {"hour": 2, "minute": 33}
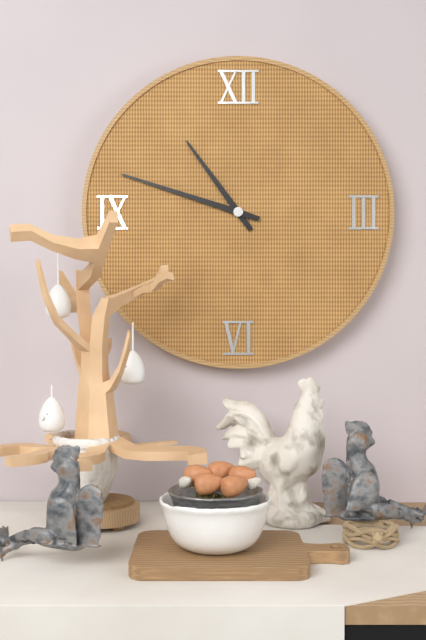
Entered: {"hour": 10, "minute": 48}
